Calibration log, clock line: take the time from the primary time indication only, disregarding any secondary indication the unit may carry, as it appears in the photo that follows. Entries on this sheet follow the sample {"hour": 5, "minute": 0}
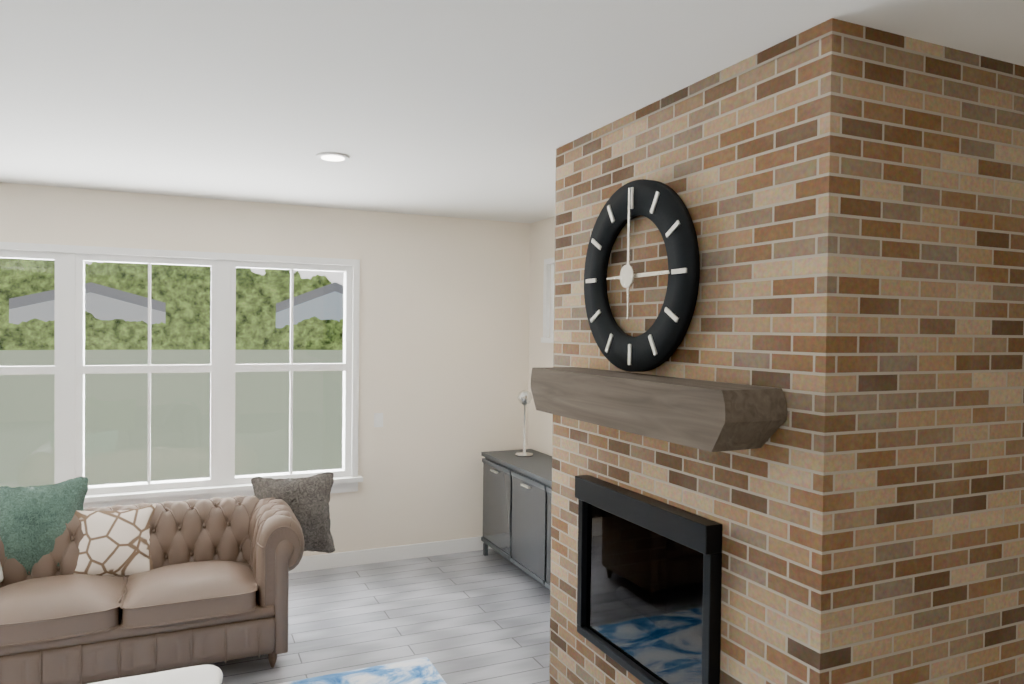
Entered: {"hour": 3, "minute": 0}
